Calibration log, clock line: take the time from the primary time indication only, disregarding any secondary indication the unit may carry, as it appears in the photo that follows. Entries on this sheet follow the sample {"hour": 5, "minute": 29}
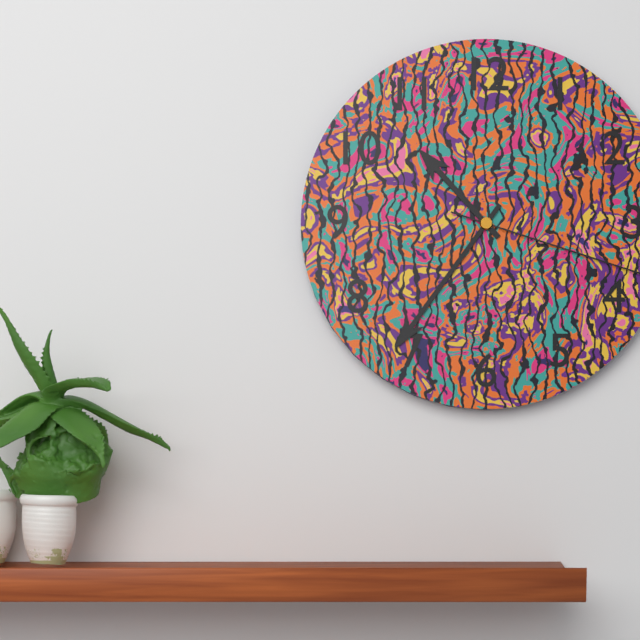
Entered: {"hour": 10, "minute": 36}
